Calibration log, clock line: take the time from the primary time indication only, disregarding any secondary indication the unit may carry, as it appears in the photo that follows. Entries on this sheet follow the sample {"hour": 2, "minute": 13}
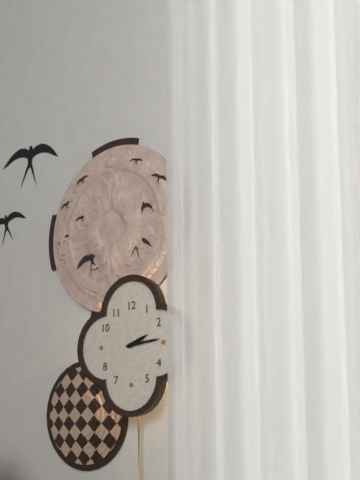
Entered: {"hour": 2, "minute": 14}
